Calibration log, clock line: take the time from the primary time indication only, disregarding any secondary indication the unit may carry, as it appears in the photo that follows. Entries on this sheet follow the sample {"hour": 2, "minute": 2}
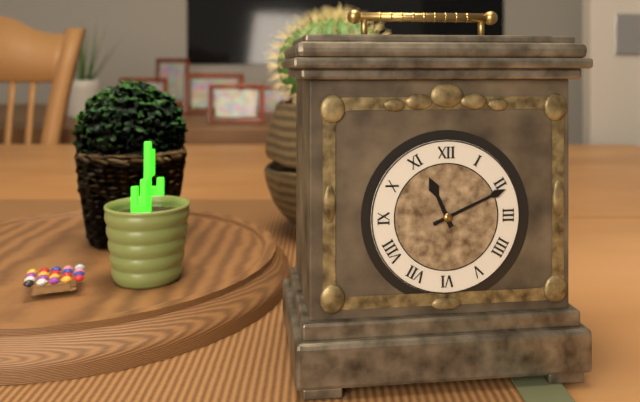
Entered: {"hour": 11, "minute": 11}
